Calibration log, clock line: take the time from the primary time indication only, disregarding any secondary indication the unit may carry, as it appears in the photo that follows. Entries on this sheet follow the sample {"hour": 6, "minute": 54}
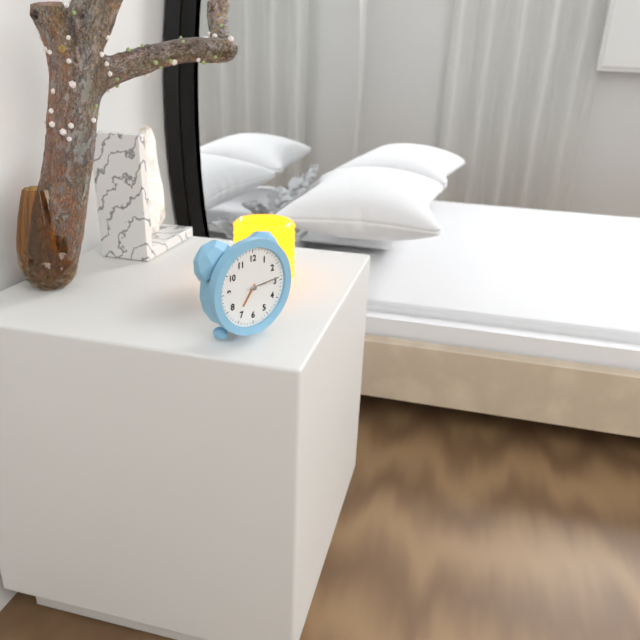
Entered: {"hour": 7, "minute": 14}
